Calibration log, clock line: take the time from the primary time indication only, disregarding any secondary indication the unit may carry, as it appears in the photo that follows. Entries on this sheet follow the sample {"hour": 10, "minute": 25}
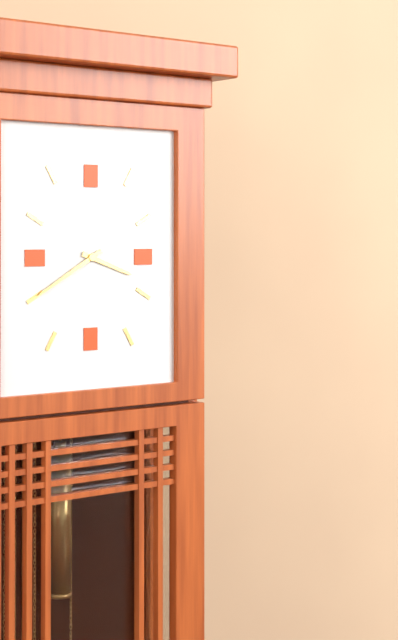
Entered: {"hour": 3, "minute": 40}
